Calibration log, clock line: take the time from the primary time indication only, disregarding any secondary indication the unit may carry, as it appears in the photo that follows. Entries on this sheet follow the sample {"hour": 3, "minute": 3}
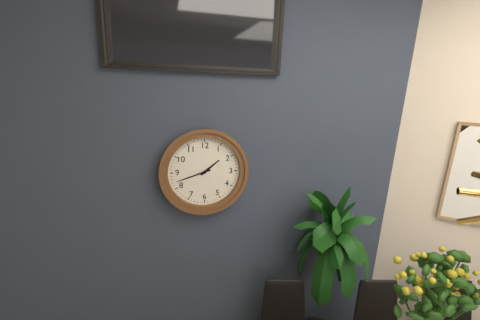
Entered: {"hour": 1, "minute": 42}
